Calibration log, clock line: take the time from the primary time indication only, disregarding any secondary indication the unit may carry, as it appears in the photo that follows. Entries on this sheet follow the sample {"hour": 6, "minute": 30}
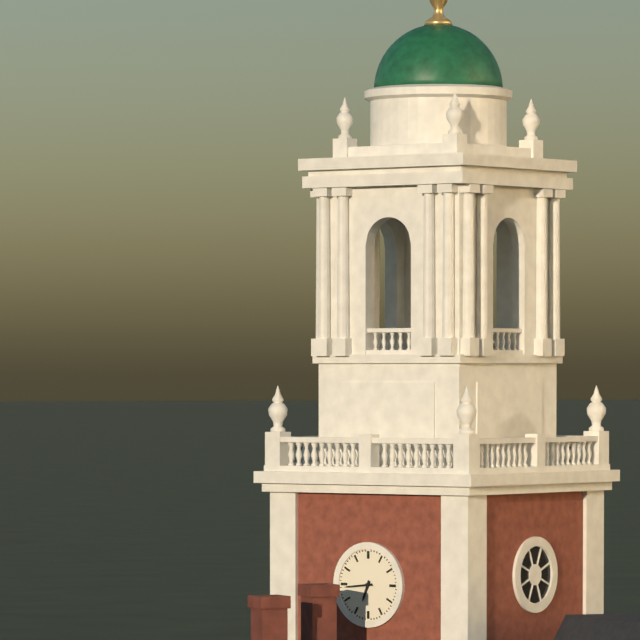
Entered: {"hour": 6, "minute": 44}
